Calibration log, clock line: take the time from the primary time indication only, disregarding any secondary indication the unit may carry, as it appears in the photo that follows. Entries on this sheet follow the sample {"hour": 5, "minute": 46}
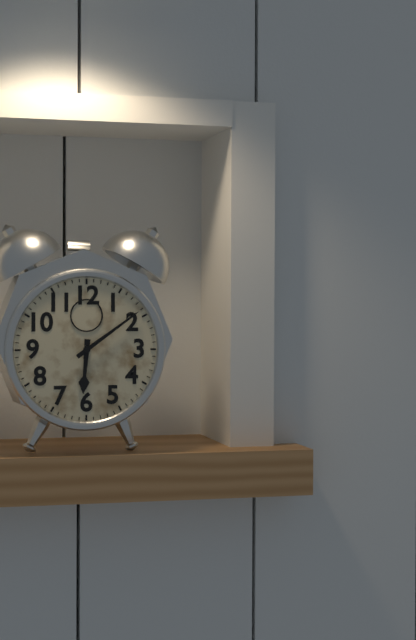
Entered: {"hour": 6, "minute": 9}
